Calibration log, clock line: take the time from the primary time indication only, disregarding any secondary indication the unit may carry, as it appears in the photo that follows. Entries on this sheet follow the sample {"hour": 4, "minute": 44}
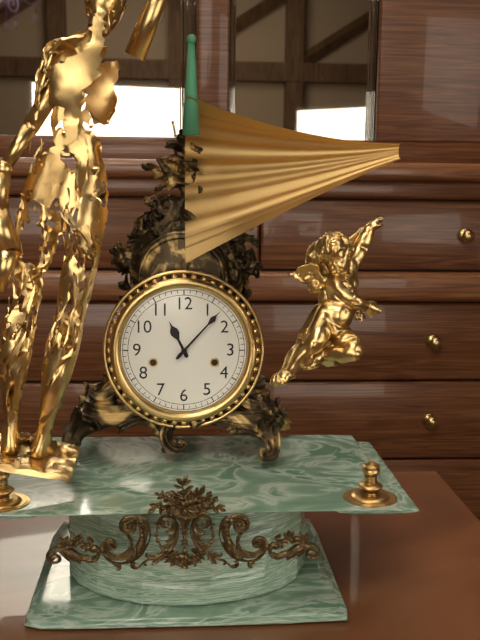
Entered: {"hour": 11, "minute": 7}
